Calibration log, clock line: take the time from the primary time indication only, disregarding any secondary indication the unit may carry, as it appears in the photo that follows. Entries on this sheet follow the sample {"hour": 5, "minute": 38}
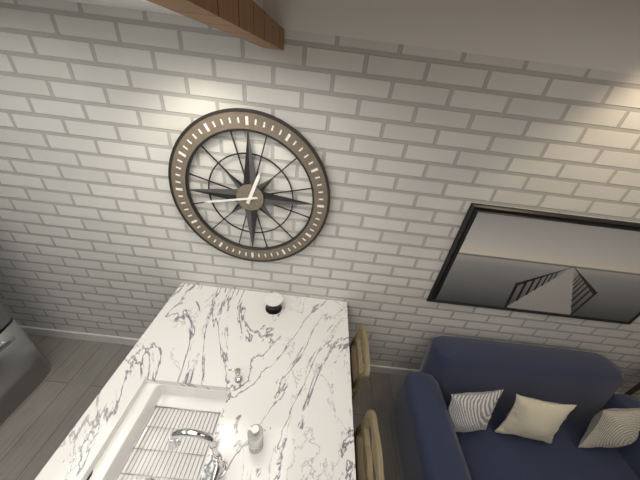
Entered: {"hour": 12, "minute": 43}
